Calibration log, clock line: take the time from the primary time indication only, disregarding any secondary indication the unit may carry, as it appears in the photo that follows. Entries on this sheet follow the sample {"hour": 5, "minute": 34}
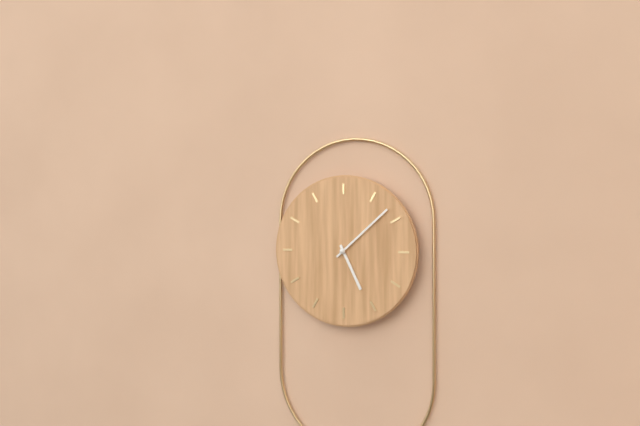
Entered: {"hour": 5, "minute": 8}
